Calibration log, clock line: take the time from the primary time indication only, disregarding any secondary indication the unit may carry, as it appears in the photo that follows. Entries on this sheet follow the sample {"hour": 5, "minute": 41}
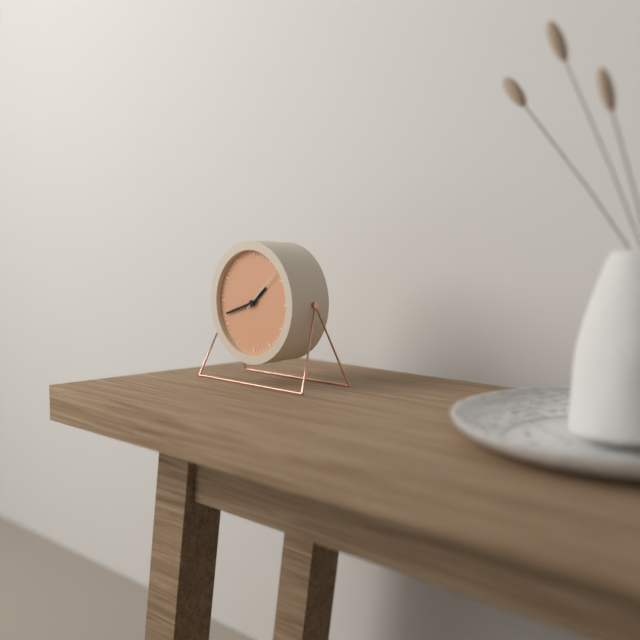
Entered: {"hour": 1, "minute": 42}
